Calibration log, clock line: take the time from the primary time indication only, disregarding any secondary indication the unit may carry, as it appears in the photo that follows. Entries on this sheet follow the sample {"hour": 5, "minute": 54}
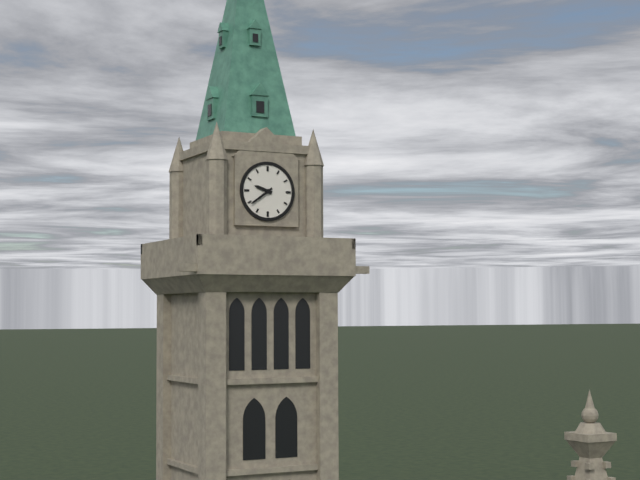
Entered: {"hour": 9, "minute": 39}
